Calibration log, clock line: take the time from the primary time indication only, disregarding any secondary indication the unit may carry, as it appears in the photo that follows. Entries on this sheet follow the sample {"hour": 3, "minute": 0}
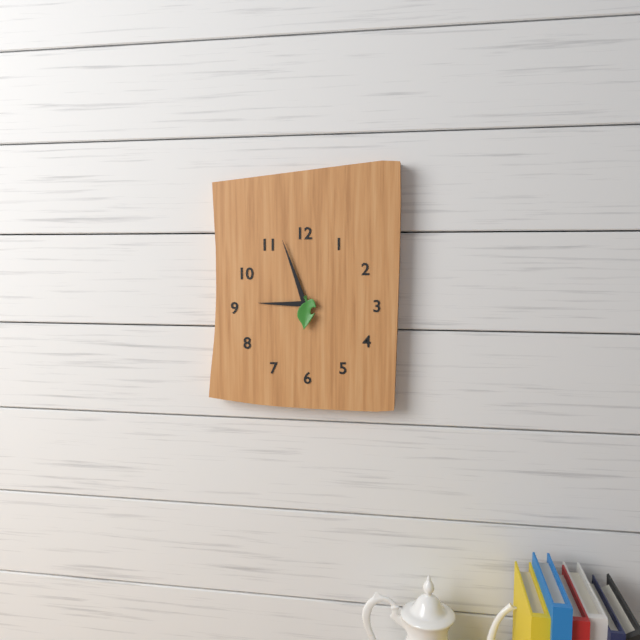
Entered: {"hour": 8, "minute": 57}
